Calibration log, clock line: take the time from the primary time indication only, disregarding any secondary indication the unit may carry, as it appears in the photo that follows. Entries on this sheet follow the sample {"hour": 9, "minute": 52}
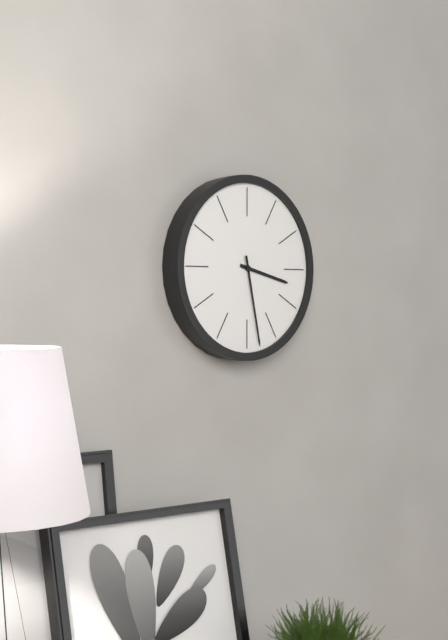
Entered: {"hour": 3, "minute": 28}
